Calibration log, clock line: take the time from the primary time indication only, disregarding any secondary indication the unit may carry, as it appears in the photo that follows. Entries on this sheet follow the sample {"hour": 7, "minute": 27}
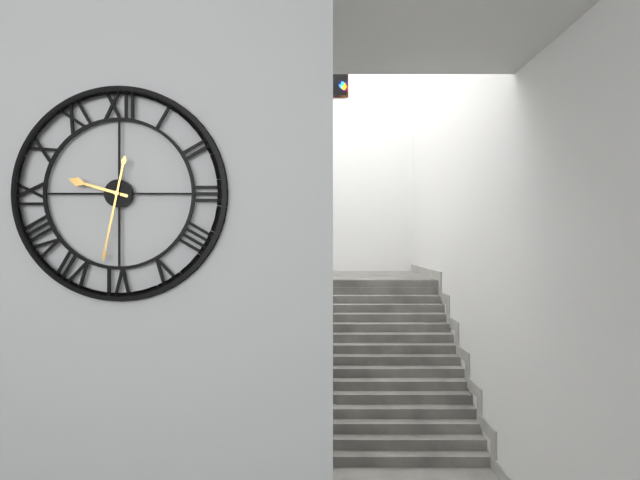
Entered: {"hour": 9, "minute": 32}
